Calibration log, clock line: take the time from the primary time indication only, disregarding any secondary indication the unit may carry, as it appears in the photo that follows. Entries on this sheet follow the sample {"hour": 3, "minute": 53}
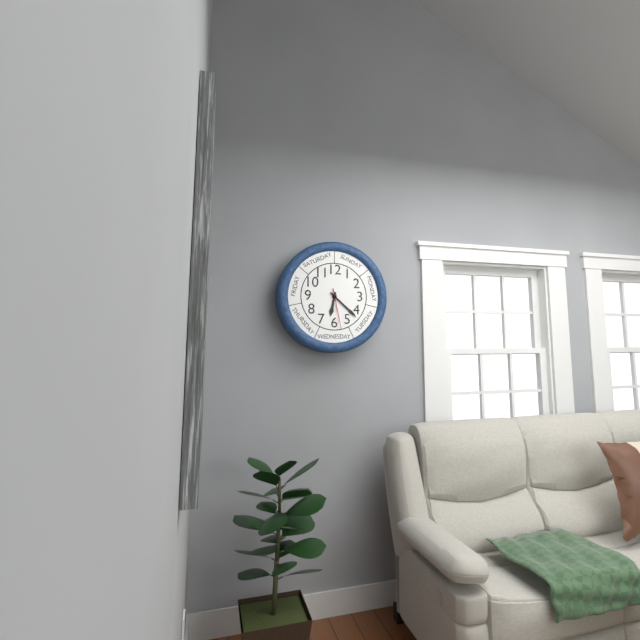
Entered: {"hour": 6, "minute": 22}
